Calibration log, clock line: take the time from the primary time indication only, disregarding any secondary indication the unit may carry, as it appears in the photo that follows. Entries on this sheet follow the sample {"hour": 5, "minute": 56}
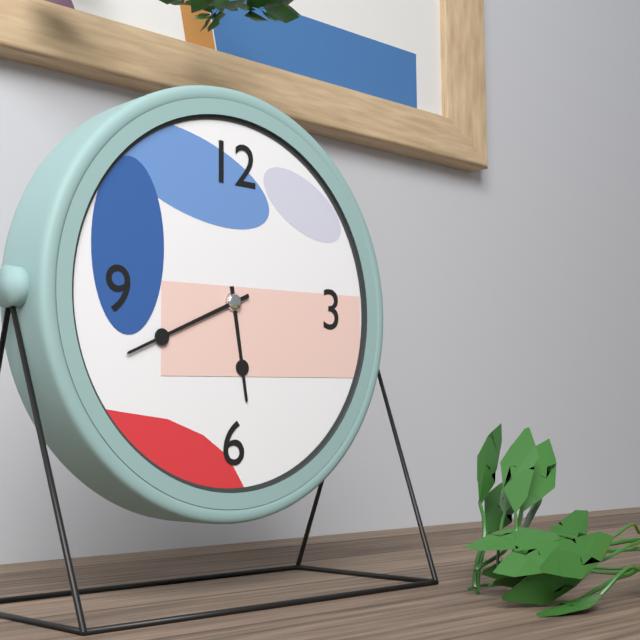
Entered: {"hour": 5, "minute": 41}
